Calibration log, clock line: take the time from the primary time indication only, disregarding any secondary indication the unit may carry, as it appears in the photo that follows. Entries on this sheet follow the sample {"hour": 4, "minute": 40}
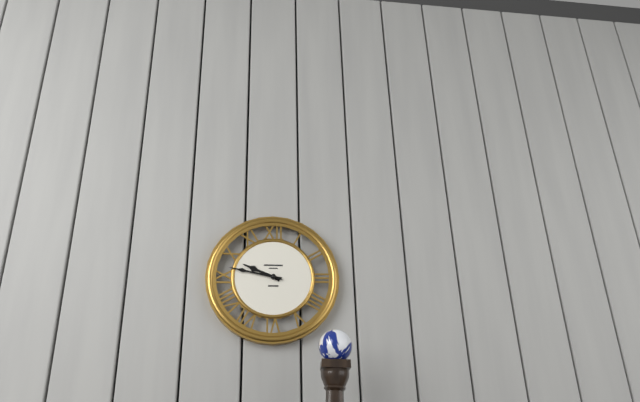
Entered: {"hour": 9, "minute": 47}
